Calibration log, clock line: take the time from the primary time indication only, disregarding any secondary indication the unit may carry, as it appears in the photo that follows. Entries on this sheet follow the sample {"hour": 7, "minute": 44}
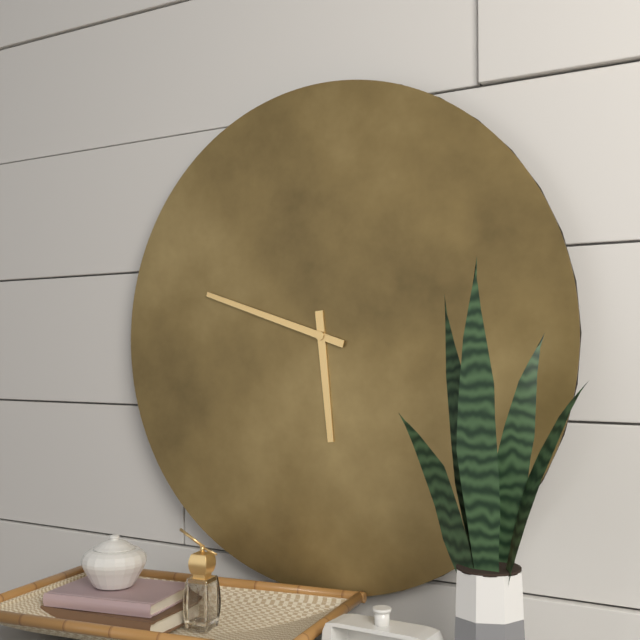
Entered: {"hour": 5, "minute": 48}
